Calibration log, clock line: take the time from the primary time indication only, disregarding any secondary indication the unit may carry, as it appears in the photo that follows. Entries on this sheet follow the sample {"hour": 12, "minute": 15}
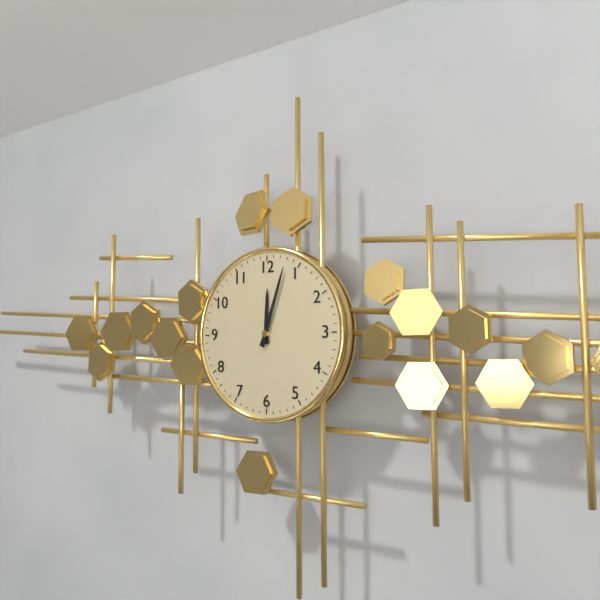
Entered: {"hour": 12, "minute": 3}
